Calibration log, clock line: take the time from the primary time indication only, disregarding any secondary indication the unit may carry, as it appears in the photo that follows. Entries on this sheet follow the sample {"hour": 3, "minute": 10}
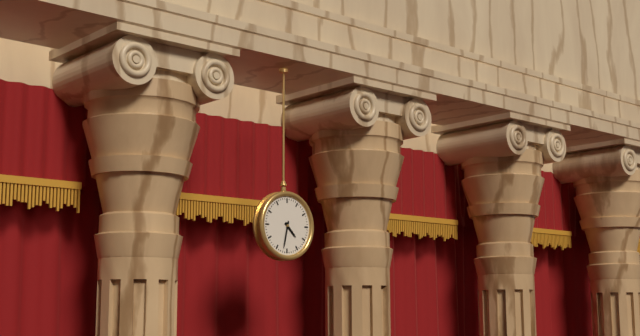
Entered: {"hour": 4, "minute": 32}
